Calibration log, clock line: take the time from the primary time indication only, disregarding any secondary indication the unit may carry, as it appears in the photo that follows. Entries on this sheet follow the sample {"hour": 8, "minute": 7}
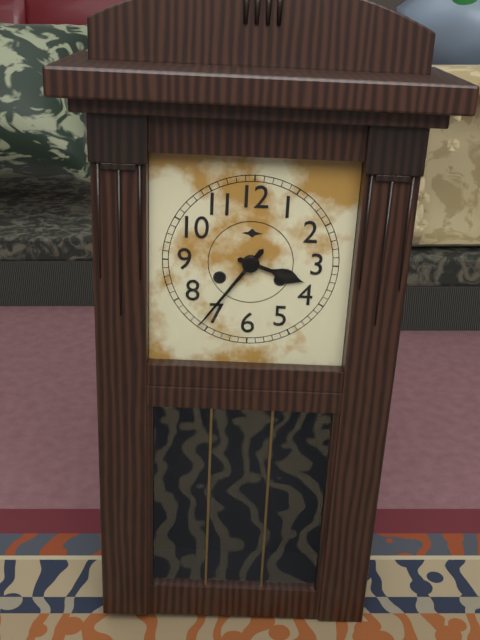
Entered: {"hour": 3, "minute": 36}
